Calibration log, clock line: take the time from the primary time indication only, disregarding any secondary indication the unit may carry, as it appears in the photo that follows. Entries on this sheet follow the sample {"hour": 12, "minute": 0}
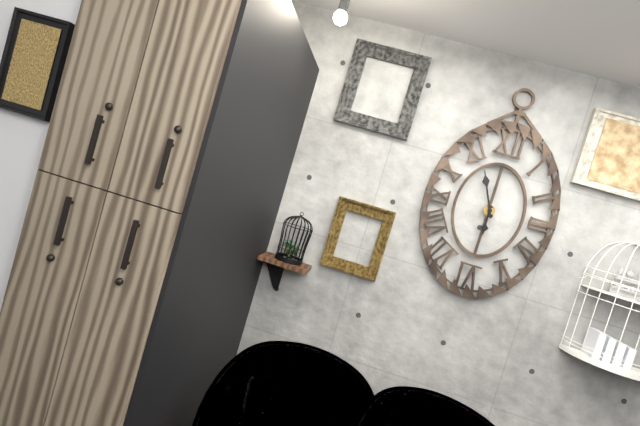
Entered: {"hour": 5, "minute": 56}
